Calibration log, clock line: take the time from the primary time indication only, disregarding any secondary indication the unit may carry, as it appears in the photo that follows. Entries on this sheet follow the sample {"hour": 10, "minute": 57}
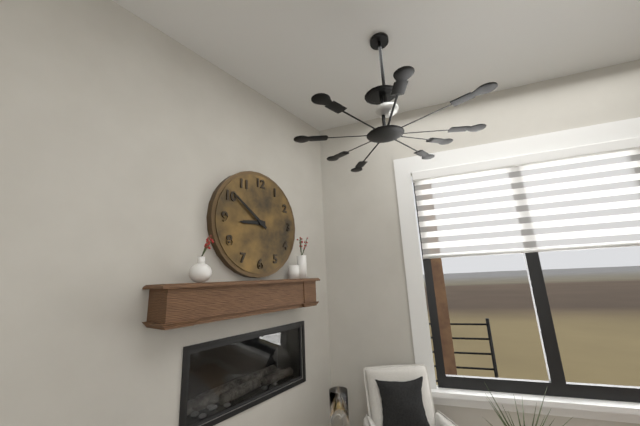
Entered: {"hour": 8, "minute": 51}
